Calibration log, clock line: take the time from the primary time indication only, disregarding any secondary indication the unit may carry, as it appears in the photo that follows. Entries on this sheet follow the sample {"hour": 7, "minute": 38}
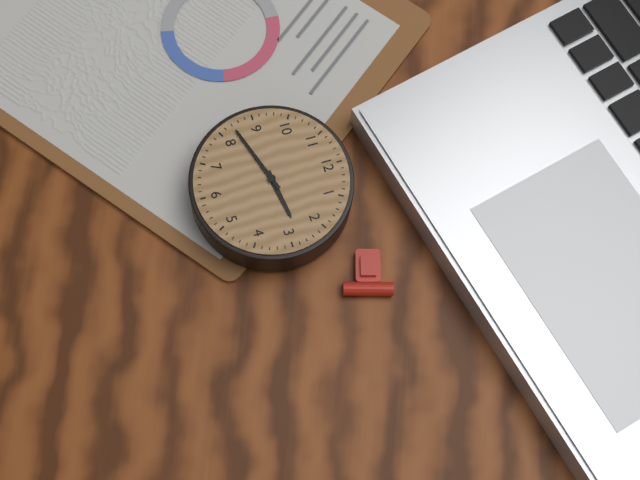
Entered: {"hour": 2, "minute": 42}
